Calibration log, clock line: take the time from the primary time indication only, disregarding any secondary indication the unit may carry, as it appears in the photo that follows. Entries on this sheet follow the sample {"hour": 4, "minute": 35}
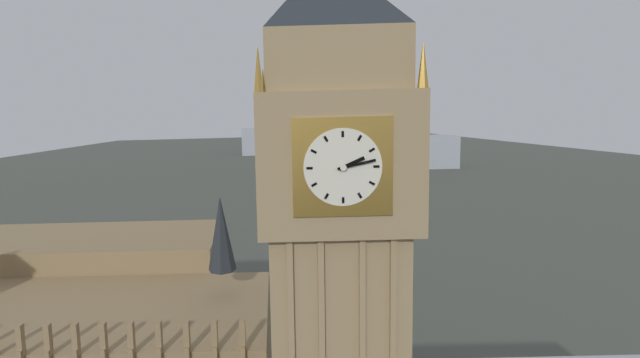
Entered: {"hour": 2, "minute": 13}
